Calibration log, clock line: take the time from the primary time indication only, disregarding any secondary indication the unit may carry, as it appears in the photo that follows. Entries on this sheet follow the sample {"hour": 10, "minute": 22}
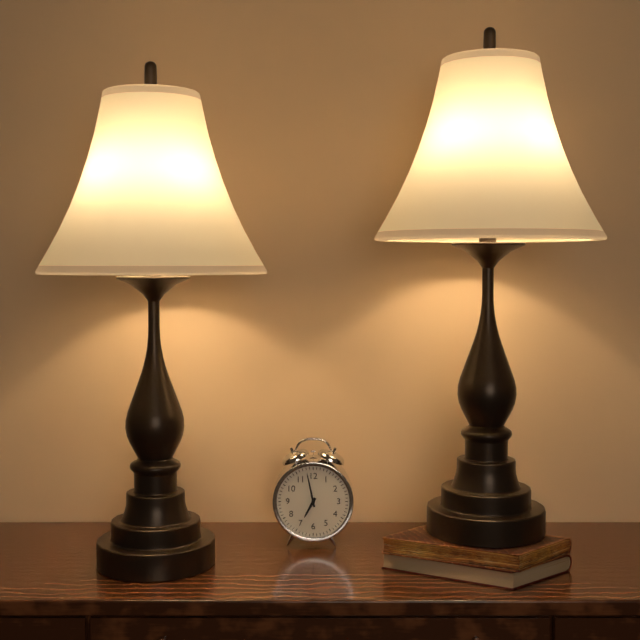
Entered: {"hour": 6, "minute": 58}
